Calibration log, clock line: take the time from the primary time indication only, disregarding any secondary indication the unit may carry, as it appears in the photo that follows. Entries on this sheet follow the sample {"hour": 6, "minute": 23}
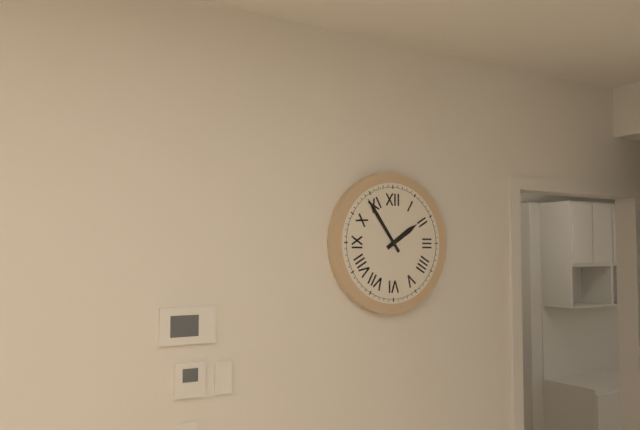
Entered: {"hour": 1, "minute": 54}
